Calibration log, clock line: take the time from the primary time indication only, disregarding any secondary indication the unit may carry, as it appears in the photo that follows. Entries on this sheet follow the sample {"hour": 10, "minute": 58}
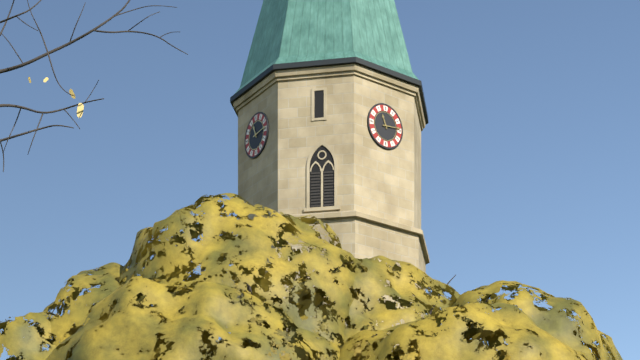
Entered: {"hour": 11, "minute": 14}
